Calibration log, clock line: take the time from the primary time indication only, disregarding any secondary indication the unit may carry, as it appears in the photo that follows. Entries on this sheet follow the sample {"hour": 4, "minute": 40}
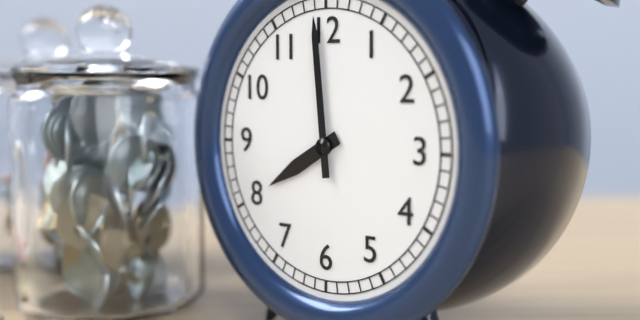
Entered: {"hour": 7, "minute": 59}
